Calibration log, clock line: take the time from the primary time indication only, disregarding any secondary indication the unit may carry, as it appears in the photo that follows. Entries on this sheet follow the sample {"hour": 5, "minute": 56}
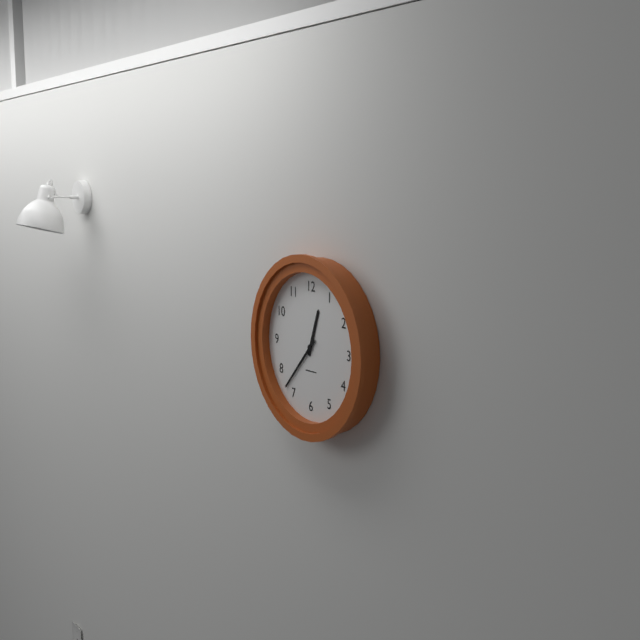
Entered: {"hour": 12, "minute": 37}
